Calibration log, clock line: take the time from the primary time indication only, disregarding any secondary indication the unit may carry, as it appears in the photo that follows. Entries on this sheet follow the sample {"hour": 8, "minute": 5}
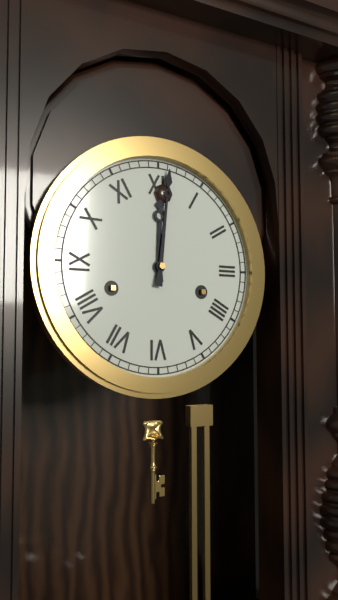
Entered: {"hour": 12, "minute": 1}
